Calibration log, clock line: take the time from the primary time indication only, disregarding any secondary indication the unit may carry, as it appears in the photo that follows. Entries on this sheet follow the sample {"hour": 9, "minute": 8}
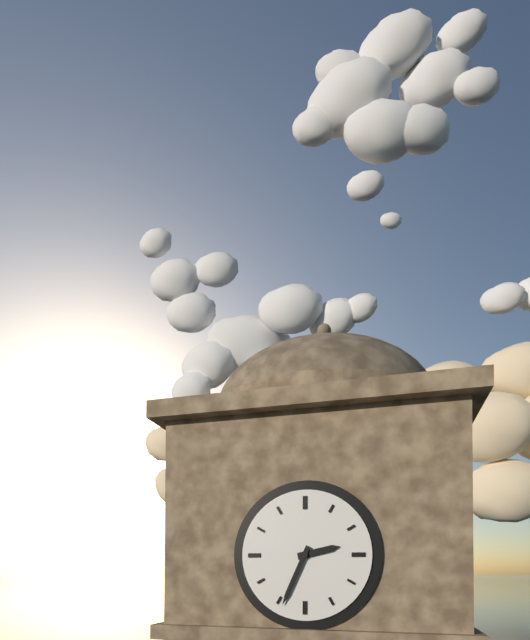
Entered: {"hour": 2, "minute": 34}
